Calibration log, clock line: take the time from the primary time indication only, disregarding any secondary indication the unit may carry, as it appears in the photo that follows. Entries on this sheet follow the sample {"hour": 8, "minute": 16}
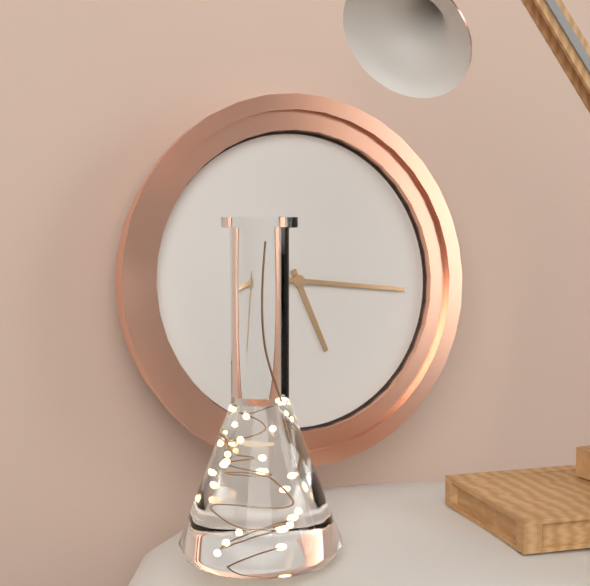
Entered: {"hour": 5, "minute": 16}
